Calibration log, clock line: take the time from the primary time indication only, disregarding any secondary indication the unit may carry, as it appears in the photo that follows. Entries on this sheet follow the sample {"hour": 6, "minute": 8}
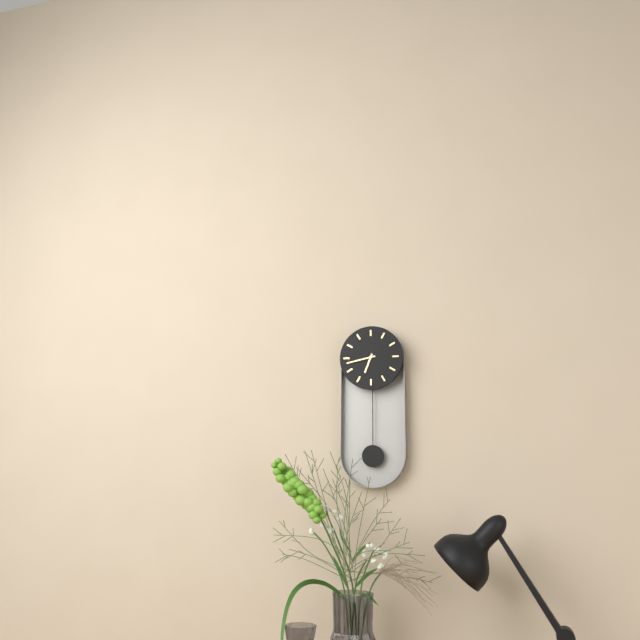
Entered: {"hour": 6, "minute": 43}
